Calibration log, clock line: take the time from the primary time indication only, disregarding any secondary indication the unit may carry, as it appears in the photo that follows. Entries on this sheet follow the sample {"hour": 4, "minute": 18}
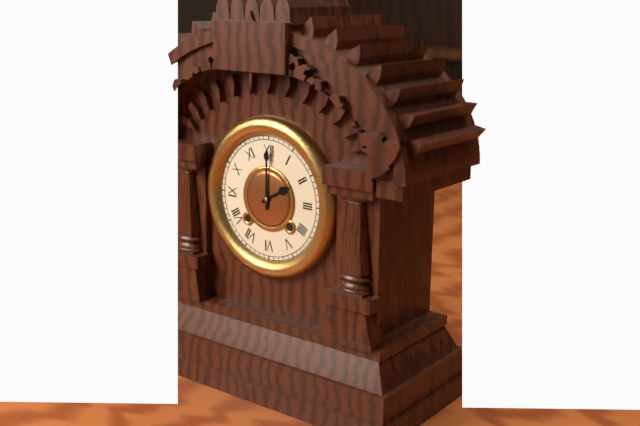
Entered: {"hour": 2, "minute": 0}
